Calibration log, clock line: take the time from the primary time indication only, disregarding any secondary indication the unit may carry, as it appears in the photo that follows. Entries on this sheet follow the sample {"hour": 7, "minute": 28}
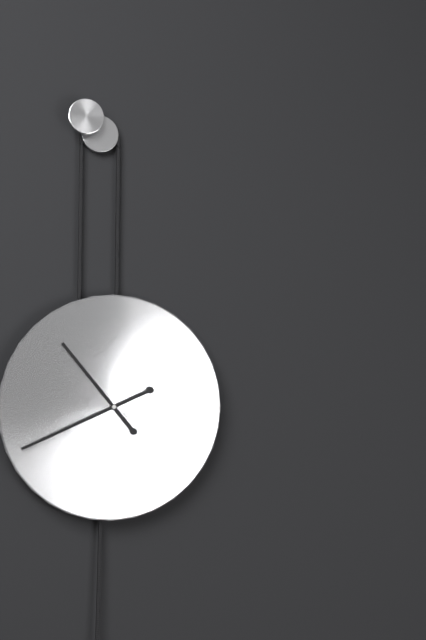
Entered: {"hour": 10, "minute": 41}
